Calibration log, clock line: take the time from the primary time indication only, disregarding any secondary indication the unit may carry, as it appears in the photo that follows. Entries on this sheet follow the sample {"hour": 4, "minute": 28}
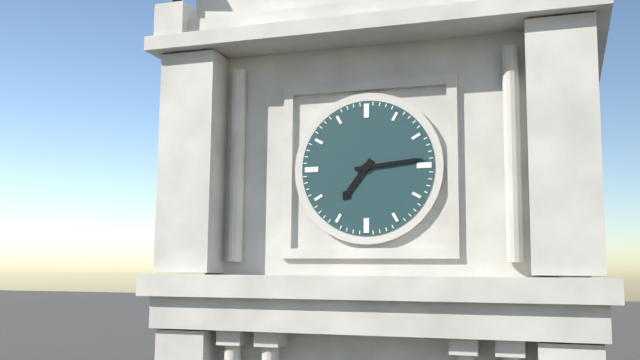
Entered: {"hour": 7, "minute": 14}
